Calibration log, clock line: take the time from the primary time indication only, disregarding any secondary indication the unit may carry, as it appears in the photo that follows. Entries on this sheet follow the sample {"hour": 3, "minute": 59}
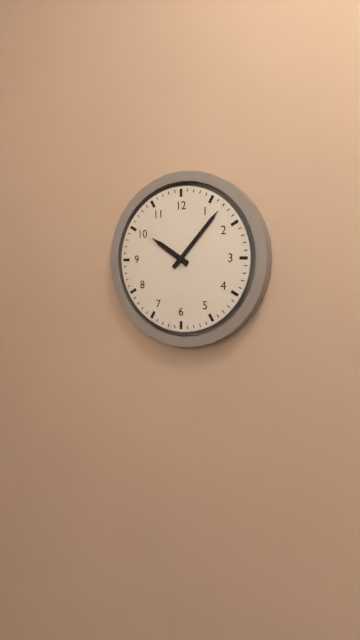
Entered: {"hour": 10, "minute": 7}
